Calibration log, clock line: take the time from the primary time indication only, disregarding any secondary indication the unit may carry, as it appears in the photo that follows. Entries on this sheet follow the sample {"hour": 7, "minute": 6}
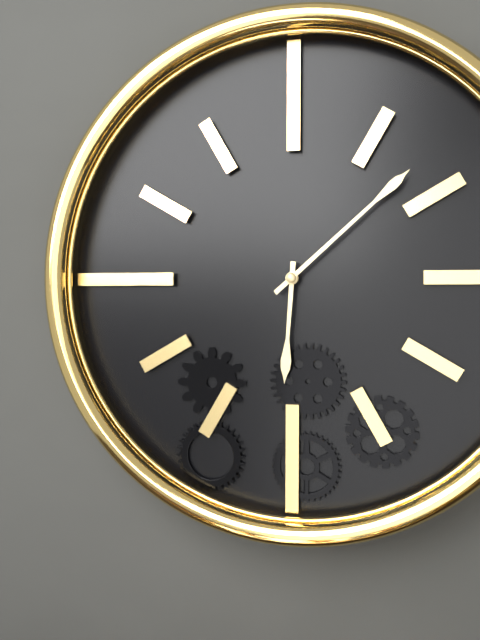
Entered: {"hour": 6, "minute": 8}
